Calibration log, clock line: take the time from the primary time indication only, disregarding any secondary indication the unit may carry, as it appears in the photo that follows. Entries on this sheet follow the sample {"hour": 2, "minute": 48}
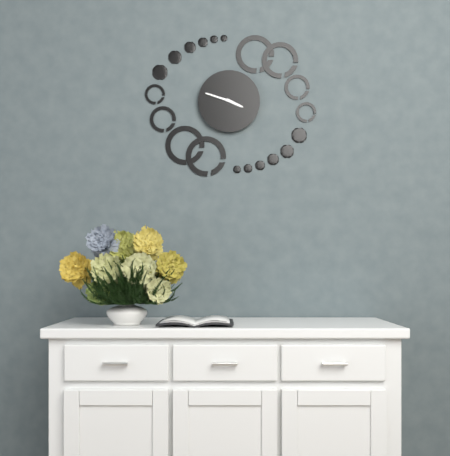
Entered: {"hour": 3, "minute": 48}
